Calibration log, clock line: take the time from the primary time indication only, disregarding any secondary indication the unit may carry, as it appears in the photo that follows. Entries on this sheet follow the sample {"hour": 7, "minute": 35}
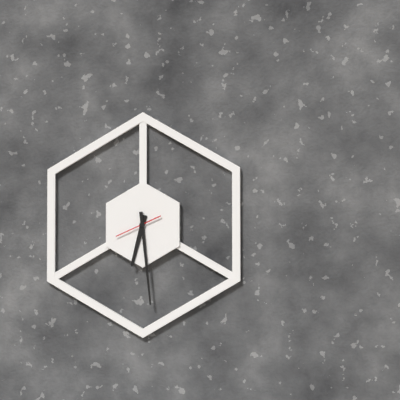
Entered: {"hour": 6, "minute": 29}
